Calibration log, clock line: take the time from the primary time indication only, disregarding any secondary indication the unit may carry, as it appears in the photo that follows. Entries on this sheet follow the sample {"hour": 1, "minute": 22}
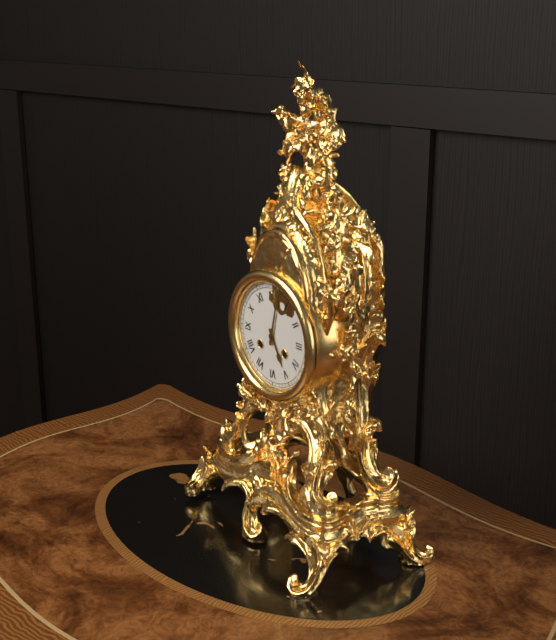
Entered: {"hour": 5, "minute": 2}
